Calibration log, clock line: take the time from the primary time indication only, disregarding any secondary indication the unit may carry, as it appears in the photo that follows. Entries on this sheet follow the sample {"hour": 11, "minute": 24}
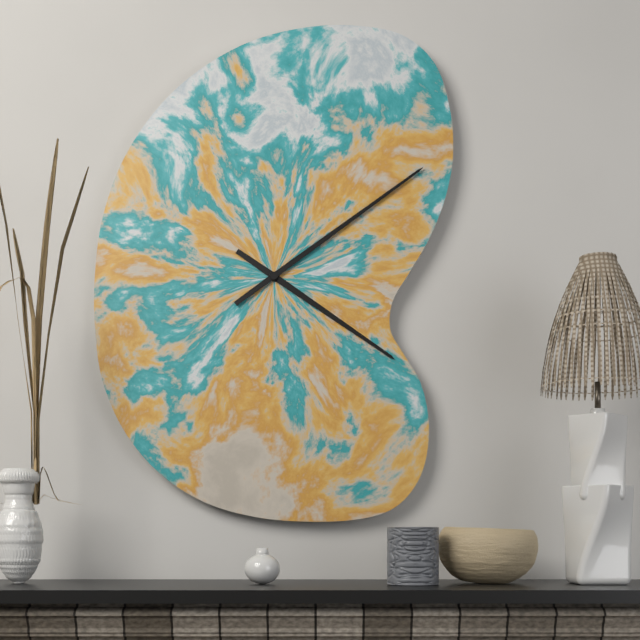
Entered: {"hour": 4, "minute": 9}
